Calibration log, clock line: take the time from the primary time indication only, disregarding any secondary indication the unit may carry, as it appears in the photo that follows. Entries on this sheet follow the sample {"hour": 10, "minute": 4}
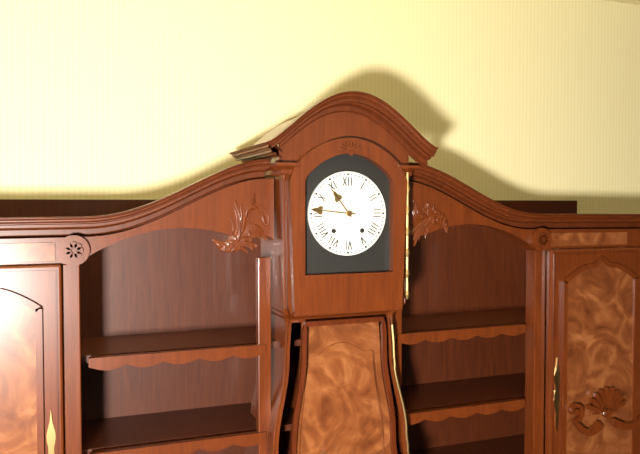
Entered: {"hour": 10, "minute": 46}
